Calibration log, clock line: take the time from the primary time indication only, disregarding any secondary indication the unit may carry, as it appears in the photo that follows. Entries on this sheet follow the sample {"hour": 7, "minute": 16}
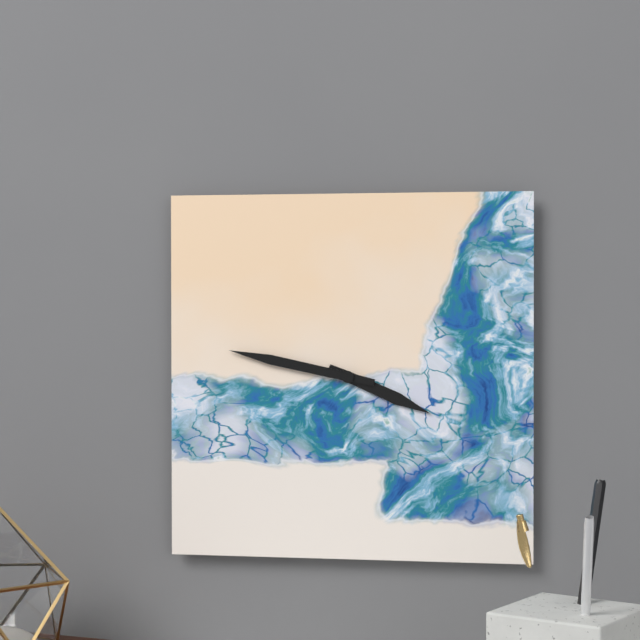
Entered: {"hour": 3, "minute": 47}
